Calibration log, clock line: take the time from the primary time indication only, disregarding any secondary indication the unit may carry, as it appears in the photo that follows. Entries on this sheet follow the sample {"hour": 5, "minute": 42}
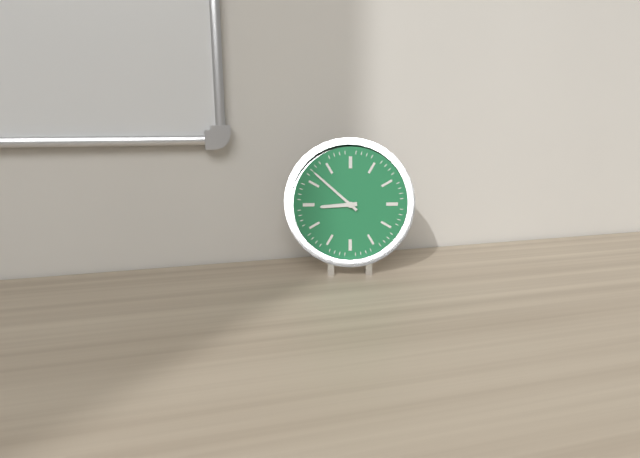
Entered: {"hour": 8, "minute": 52}
